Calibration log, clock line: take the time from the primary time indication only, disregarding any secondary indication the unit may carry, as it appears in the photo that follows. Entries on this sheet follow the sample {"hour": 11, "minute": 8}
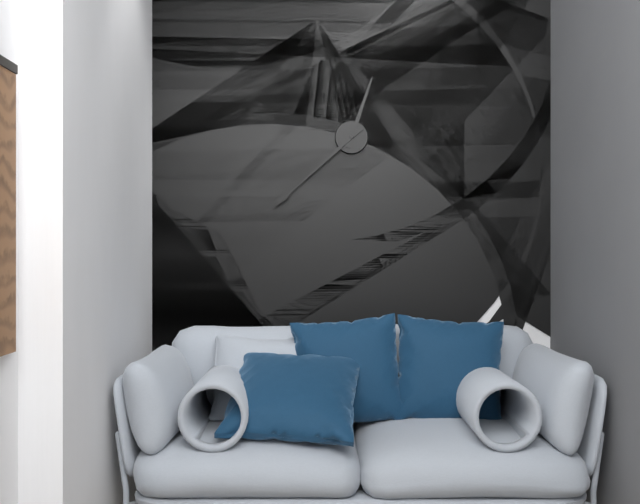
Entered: {"hour": 12, "minute": 38}
